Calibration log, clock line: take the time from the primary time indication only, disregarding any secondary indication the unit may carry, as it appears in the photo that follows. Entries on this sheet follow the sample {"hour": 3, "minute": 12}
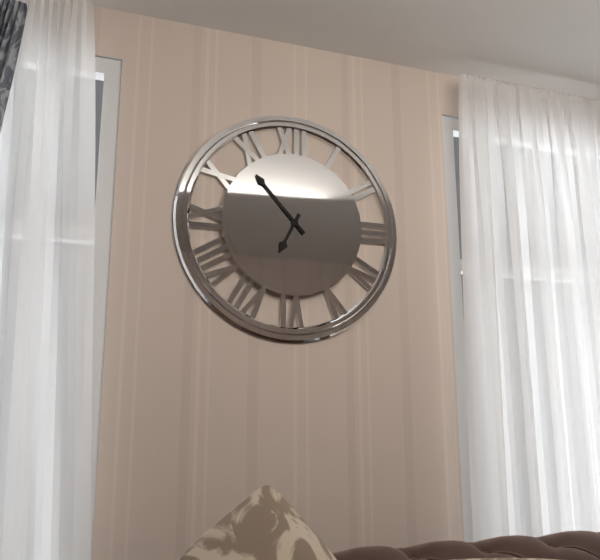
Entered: {"hour": 6, "minute": 53}
